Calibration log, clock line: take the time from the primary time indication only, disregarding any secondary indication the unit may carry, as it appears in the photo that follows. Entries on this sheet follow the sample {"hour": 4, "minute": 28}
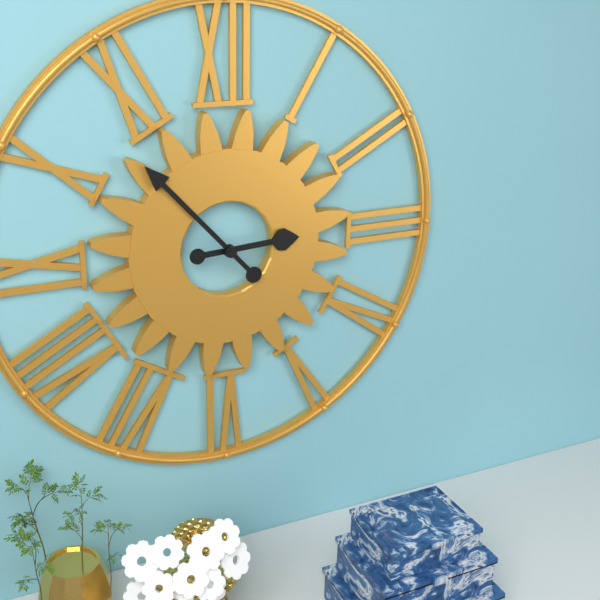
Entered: {"hour": 2, "minute": 53}
